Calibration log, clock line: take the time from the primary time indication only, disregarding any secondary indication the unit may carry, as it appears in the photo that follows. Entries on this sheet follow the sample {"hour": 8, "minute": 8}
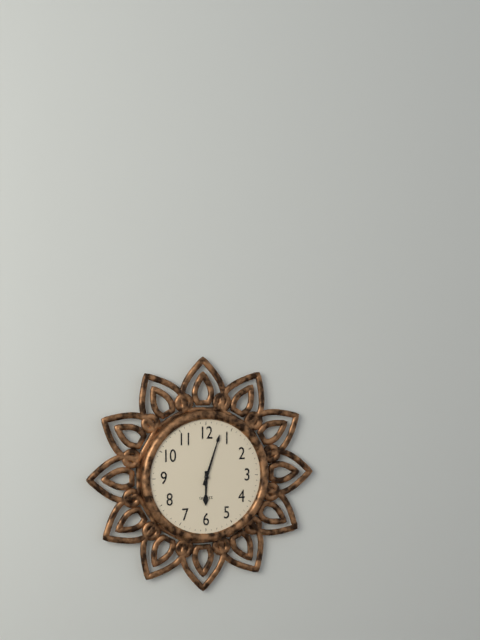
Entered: {"hour": 6, "minute": 3}
